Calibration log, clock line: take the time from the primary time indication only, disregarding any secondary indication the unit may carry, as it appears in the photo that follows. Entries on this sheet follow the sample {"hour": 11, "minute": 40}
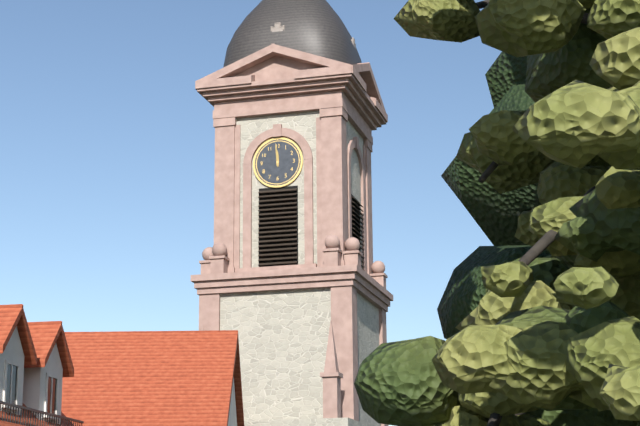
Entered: {"hour": 11, "minute": 59}
